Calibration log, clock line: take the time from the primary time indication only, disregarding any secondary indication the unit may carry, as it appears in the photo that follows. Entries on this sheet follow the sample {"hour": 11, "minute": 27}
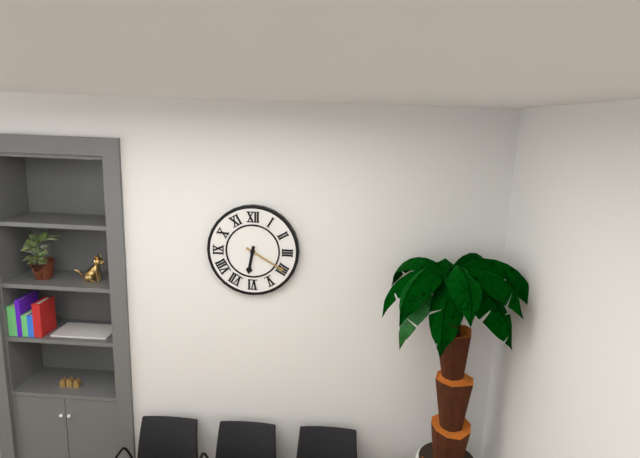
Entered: {"hour": 6, "minute": 20}
